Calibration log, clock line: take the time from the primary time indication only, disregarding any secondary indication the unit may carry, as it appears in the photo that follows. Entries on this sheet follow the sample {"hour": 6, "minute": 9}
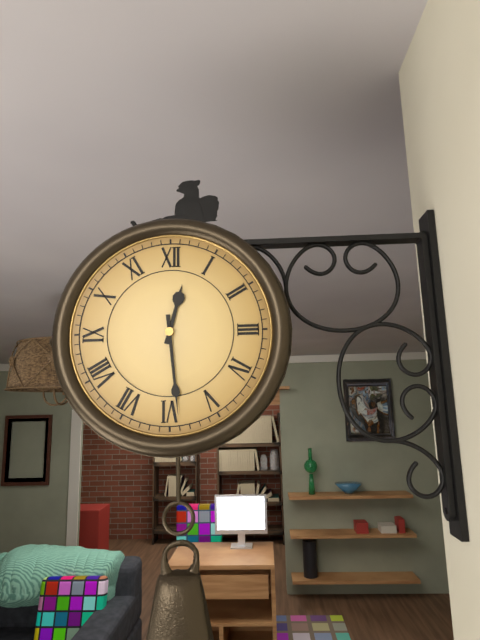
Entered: {"hour": 12, "minute": 29}
